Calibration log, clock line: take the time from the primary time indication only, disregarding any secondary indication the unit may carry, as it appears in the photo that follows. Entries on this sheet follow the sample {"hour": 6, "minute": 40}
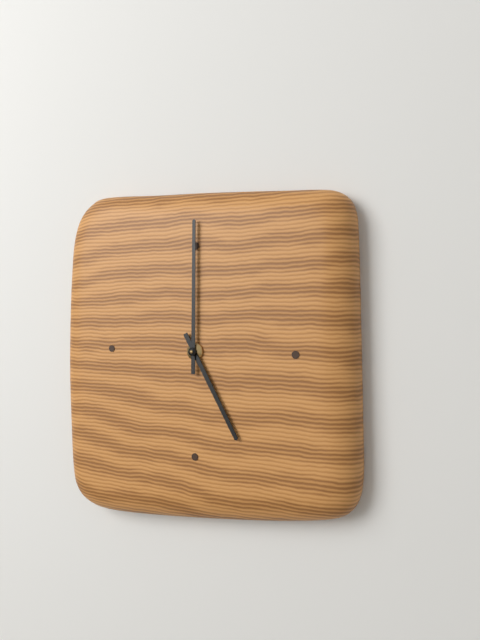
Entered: {"hour": 5, "minute": 0}
